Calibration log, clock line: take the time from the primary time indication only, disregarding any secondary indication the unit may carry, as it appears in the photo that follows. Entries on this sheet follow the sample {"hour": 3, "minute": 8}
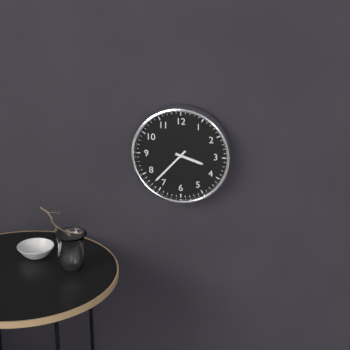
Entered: {"hour": 3, "minute": 37}
